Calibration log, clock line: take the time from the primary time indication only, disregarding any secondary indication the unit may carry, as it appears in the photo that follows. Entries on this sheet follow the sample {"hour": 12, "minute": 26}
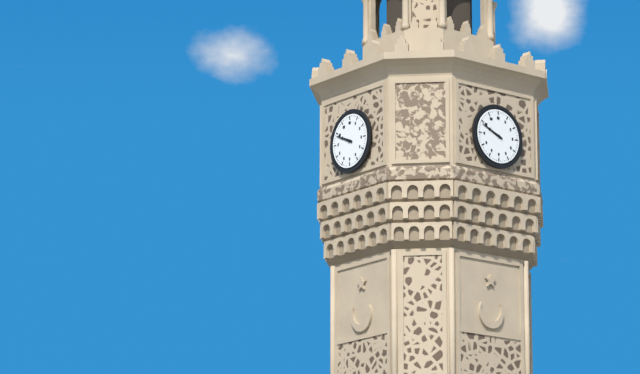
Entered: {"hour": 9, "minute": 49}
